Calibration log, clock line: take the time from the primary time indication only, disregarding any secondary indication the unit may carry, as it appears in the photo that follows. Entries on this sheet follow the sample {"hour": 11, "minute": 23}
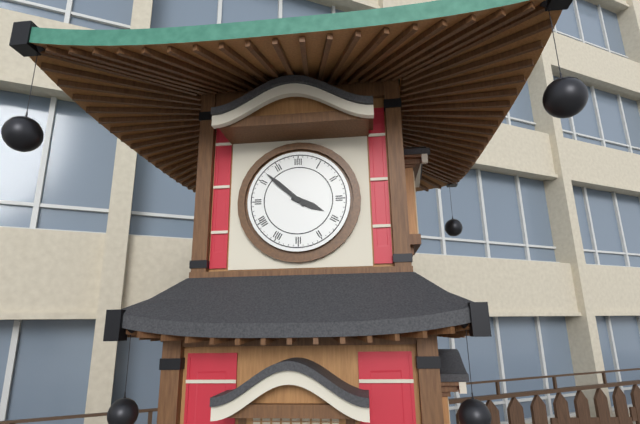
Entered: {"hour": 3, "minute": 52}
